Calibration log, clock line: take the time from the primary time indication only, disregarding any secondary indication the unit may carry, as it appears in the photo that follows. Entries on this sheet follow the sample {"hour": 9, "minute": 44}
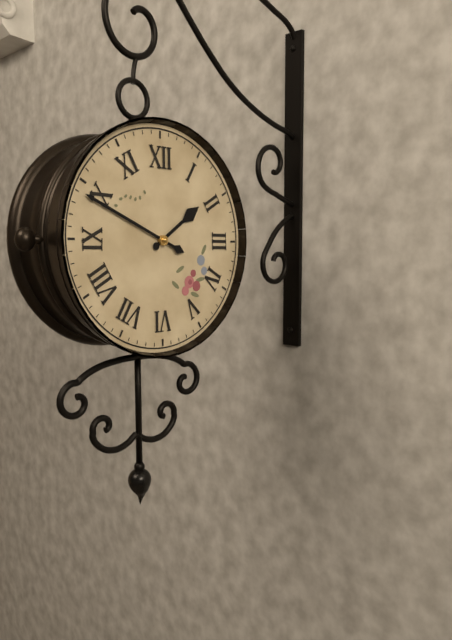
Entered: {"hour": 1, "minute": 49}
